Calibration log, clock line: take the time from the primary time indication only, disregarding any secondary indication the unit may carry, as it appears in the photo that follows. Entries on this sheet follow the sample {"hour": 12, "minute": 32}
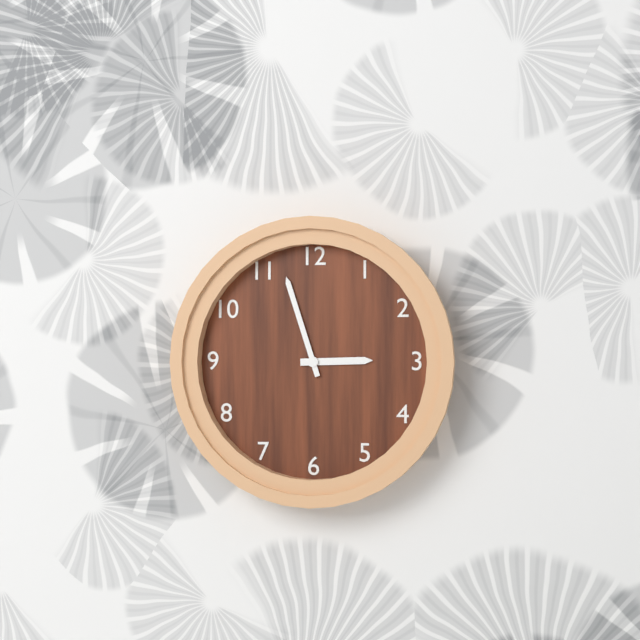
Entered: {"hour": 2, "minute": 57}
